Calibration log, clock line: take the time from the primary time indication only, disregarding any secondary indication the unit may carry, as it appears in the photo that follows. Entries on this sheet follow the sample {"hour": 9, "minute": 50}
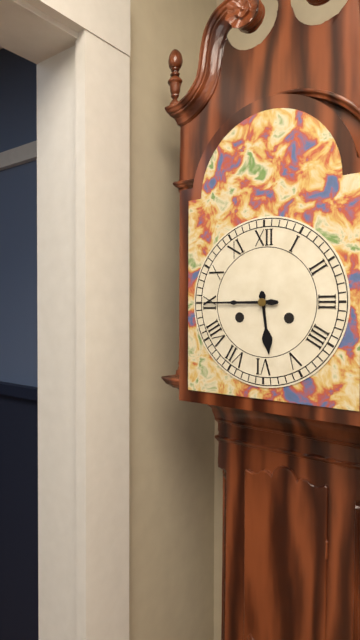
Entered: {"hour": 5, "minute": 45}
